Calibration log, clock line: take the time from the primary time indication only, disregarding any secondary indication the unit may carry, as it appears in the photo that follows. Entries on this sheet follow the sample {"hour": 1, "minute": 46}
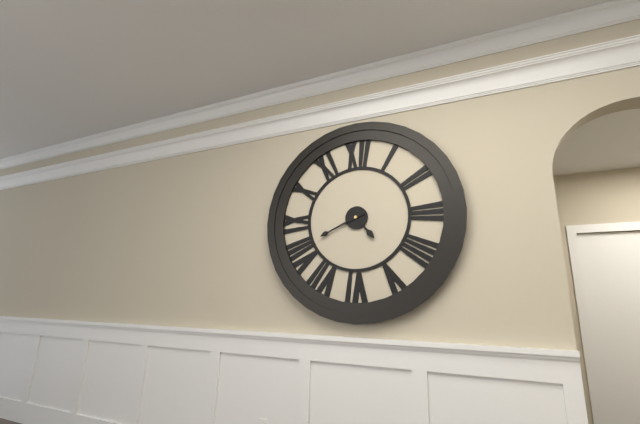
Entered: {"hour": 4, "minute": 41}
